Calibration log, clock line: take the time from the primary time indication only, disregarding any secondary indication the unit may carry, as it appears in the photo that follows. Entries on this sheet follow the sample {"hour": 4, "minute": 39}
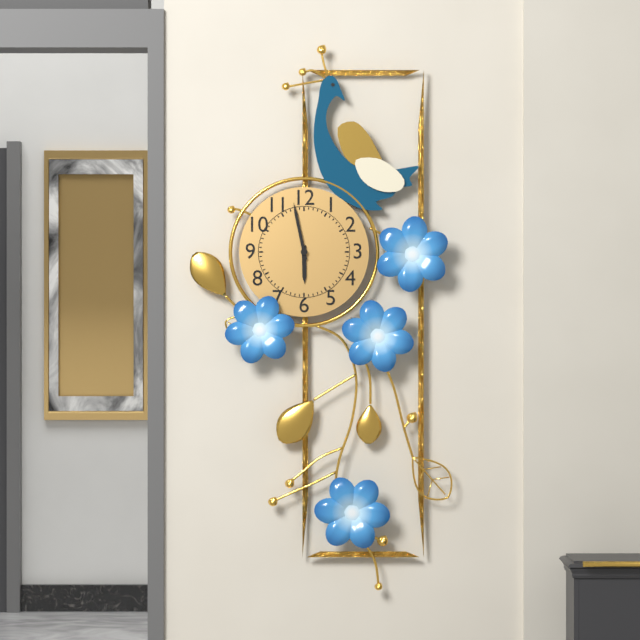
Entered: {"hour": 5, "minute": 58}
